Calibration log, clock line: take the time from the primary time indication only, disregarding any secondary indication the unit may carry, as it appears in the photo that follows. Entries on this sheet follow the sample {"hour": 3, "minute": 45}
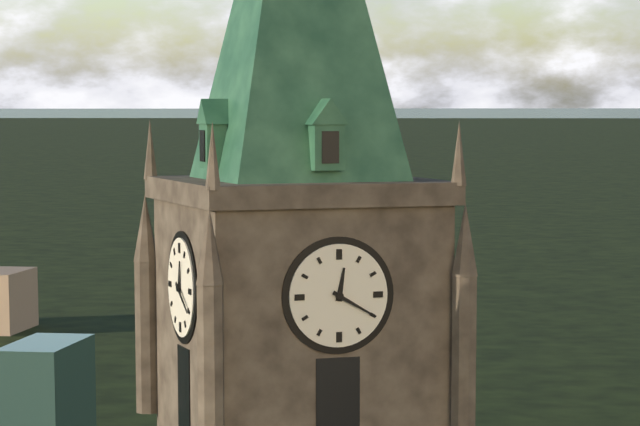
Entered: {"hour": 12, "minute": 20}
